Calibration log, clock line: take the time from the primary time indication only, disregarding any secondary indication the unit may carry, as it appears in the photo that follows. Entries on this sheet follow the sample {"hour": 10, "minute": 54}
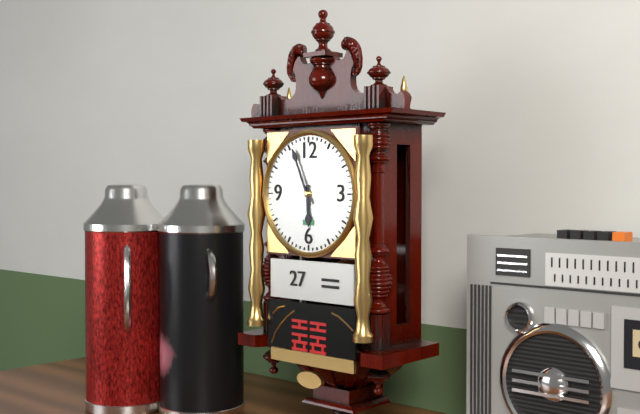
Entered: {"hour": 5, "minute": 56}
